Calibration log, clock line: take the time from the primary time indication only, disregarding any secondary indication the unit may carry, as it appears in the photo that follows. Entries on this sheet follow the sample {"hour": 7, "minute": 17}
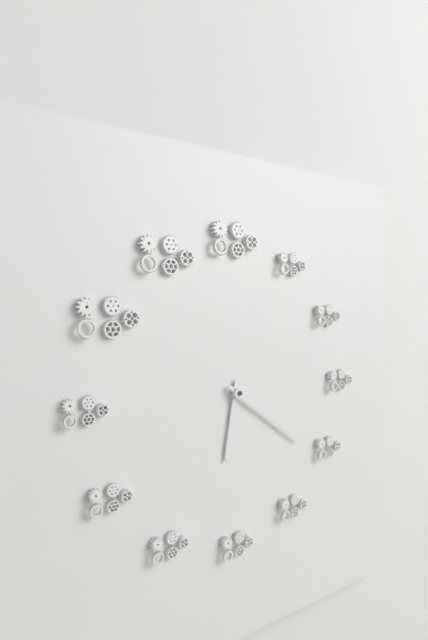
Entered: {"hour": 6, "minute": 21}
